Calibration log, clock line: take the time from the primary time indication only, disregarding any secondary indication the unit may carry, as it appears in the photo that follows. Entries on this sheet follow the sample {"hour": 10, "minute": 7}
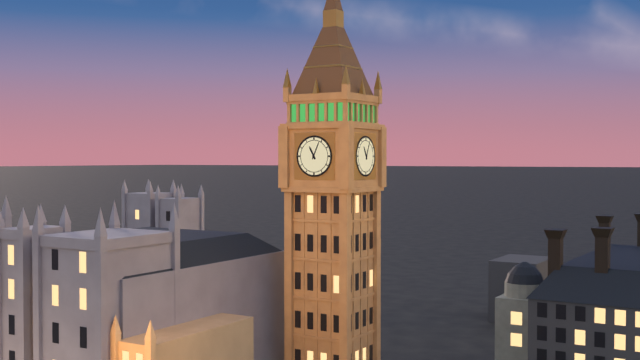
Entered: {"hour": 11, "minute": 4}
